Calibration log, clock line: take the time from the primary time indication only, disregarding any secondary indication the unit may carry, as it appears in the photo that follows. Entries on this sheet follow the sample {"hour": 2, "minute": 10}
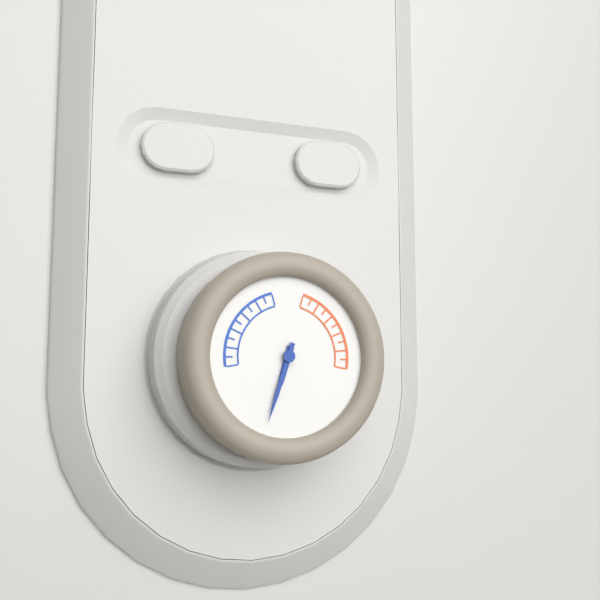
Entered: {"hour": 6, "minute": 33}
